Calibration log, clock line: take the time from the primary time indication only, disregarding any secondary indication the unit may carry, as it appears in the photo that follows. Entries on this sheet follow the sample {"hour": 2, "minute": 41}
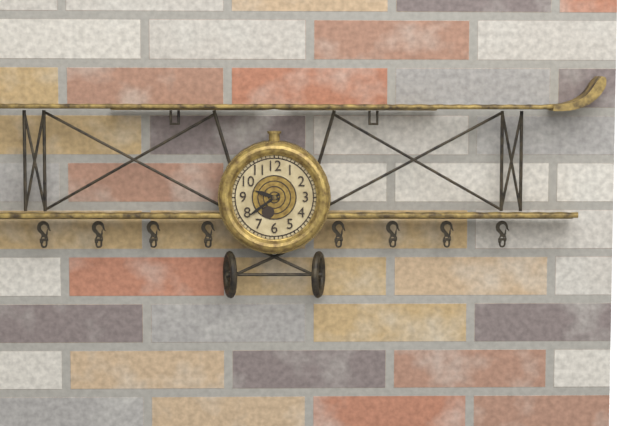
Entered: {"hour": 9, "minute": 39}
